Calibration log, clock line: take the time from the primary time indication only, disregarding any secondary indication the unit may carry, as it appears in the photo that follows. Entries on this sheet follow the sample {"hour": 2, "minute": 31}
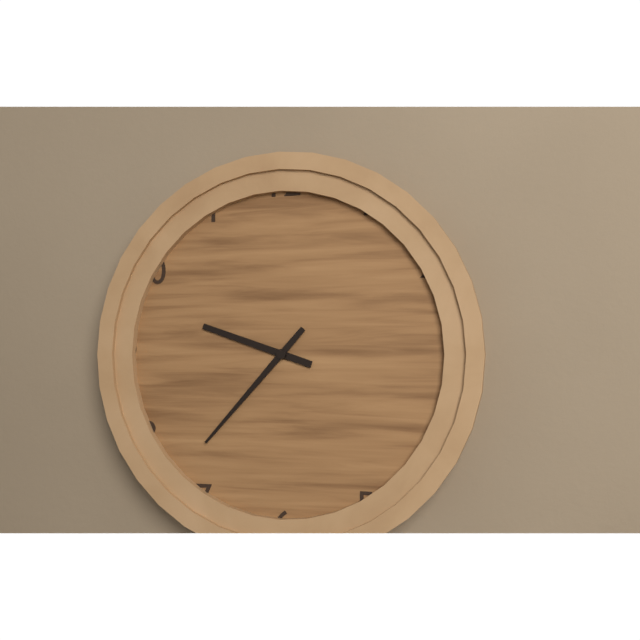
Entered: {"hour": 9, "minute": 37}
